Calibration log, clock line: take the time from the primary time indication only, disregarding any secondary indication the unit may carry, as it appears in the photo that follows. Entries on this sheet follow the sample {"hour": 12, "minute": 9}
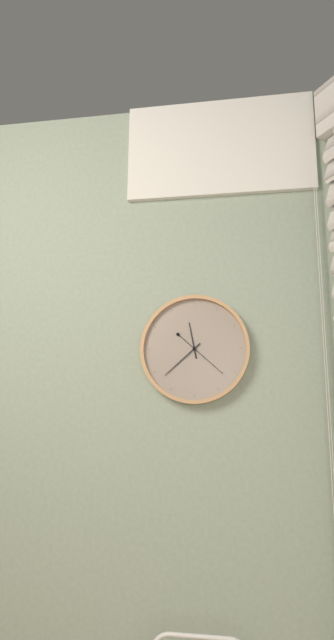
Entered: {"hour": 11, "minute": 38}
